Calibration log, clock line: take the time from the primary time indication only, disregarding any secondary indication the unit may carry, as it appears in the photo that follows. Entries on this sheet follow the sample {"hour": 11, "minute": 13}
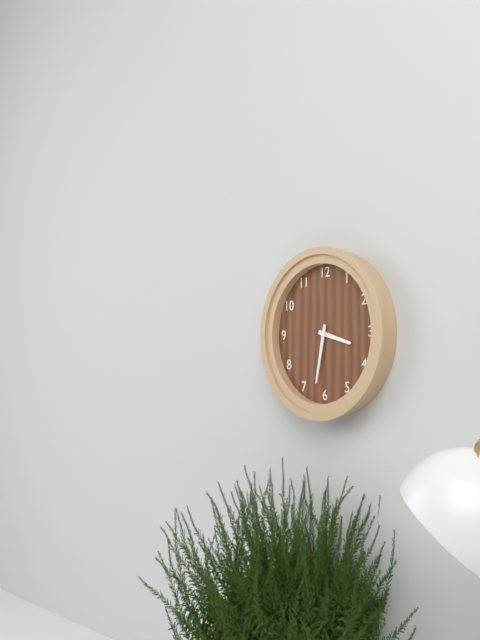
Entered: {"hour": 3, "minute": 32}
